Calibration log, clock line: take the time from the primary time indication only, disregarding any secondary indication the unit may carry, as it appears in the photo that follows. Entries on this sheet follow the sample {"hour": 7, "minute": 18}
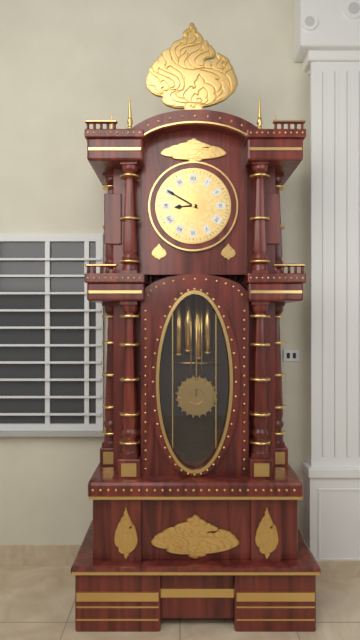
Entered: {"hour": 8, "minute": 50}
